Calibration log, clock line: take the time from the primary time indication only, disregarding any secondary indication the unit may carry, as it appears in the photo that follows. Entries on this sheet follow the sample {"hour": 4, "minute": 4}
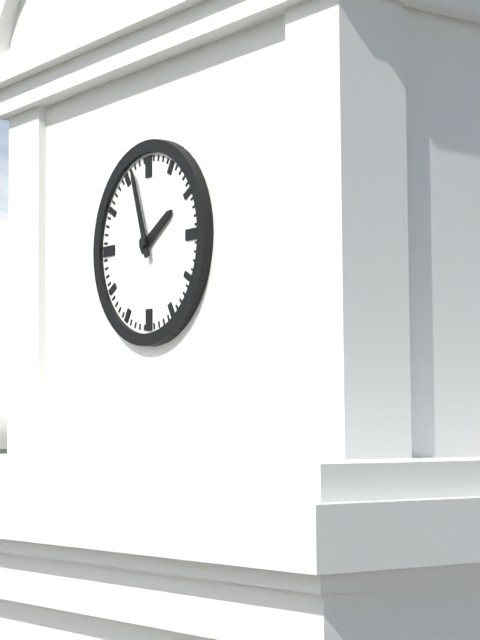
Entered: {"hour": 1, "minute": 57}
